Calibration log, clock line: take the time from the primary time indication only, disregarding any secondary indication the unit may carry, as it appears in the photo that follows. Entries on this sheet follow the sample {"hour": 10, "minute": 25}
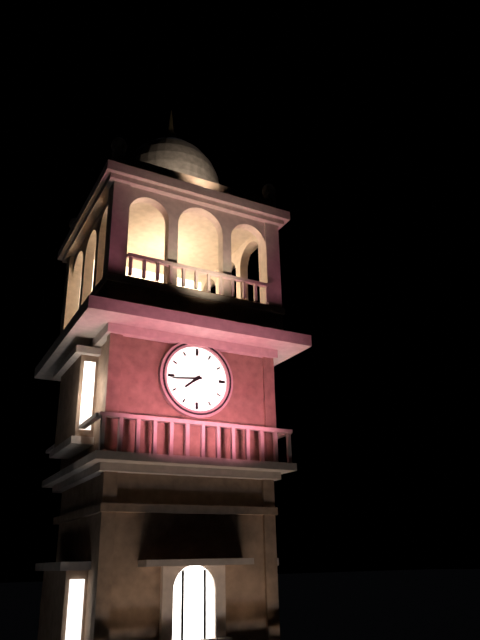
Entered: {"hour": 7, "minute": 44}
